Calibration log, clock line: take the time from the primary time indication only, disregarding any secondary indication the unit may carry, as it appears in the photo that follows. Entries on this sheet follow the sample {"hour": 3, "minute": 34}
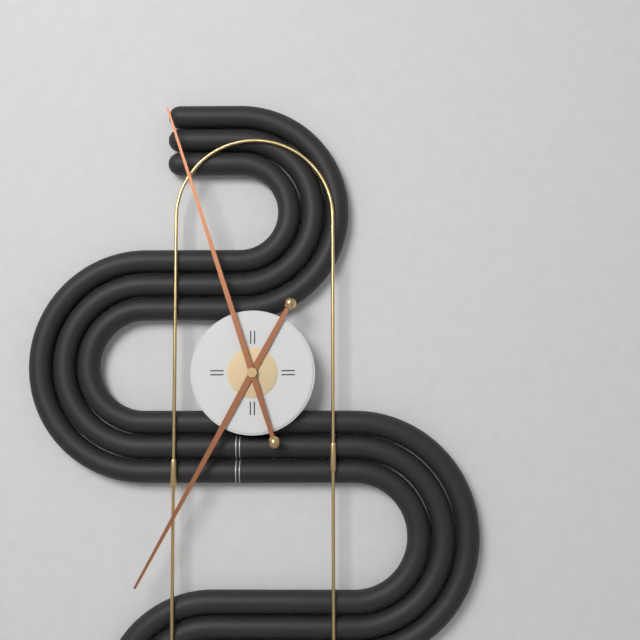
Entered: {"hour": 6, "minute": 57}
